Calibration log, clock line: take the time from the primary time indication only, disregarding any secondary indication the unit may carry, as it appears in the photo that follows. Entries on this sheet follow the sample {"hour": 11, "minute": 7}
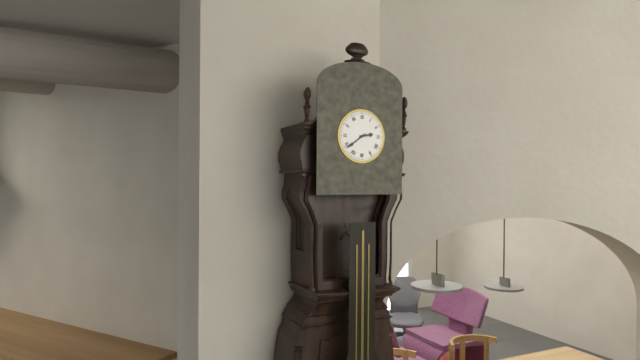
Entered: {"hour": 2, "minute": 39}
